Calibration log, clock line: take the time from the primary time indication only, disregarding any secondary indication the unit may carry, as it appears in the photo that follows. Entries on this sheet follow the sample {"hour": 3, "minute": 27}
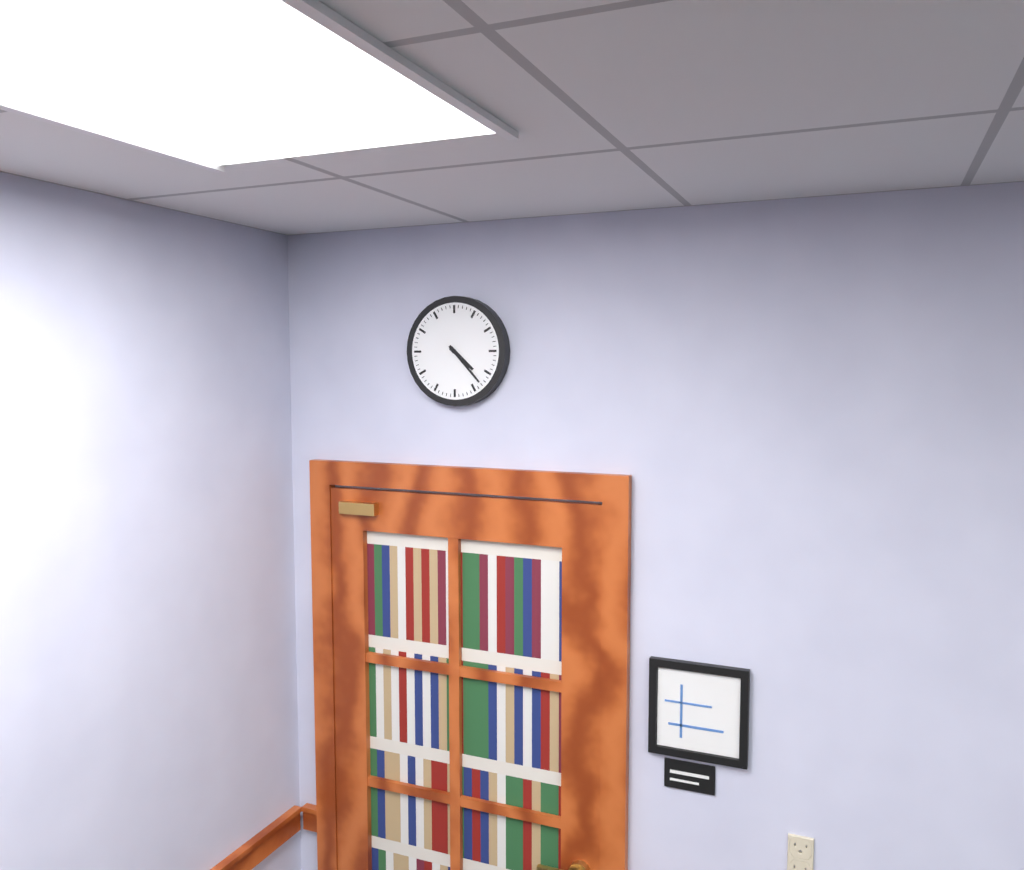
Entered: {"hour": 4, "minute": 23}
